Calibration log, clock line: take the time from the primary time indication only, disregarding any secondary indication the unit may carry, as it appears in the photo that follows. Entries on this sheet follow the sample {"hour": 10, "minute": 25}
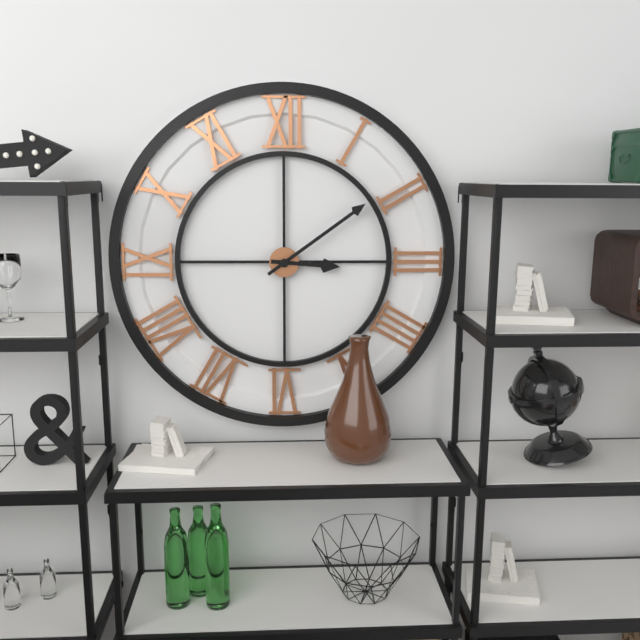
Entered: {"hour": 3, "minute": 9}
